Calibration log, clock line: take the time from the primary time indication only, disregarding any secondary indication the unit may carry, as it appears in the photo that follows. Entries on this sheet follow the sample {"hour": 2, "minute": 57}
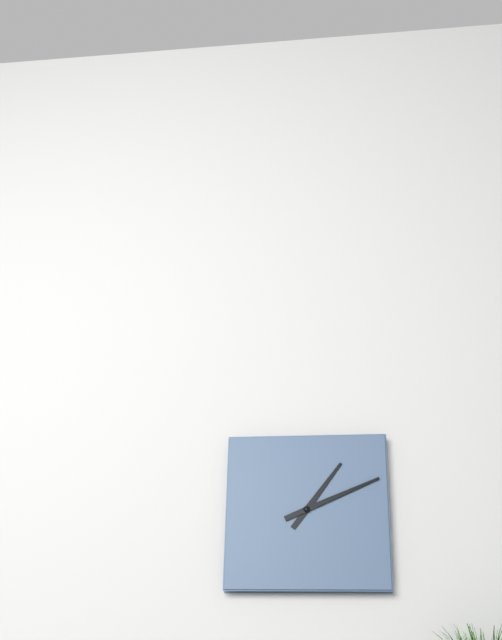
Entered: {"hour": 1, "minute": 11}
